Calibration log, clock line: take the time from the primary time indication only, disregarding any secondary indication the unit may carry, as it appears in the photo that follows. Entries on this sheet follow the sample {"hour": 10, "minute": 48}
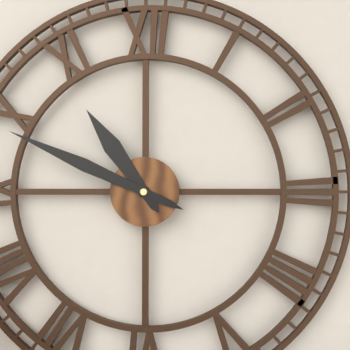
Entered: {"hour": 10, "minute": 49}
